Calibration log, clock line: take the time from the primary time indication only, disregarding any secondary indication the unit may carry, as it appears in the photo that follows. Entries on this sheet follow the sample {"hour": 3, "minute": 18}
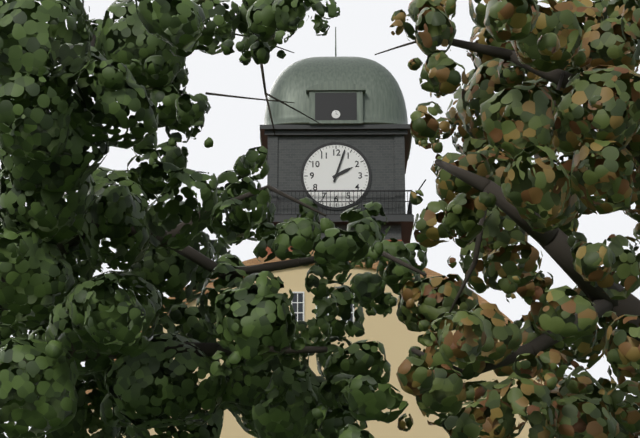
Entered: {"hour": 2, "minute": 3}
